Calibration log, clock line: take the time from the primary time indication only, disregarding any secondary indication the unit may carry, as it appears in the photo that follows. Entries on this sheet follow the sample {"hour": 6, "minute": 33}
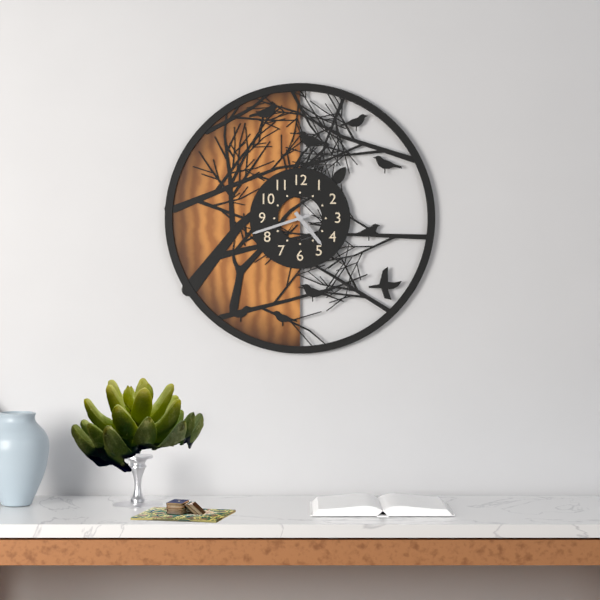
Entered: {"hour": 4, "minute": 42}
